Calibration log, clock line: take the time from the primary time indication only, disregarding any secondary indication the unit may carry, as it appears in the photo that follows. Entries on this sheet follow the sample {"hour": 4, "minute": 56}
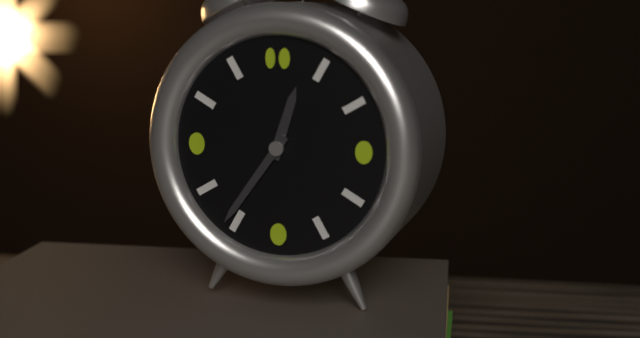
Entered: {"hour": 12, "minute": 36}
